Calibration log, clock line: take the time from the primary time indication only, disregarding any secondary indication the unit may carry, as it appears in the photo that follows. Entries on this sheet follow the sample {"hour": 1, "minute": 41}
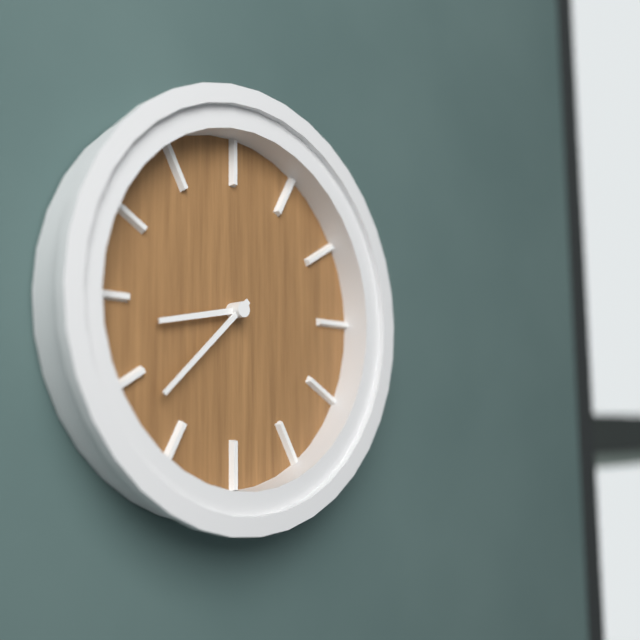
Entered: {"hour": 8, "minute": 38}
